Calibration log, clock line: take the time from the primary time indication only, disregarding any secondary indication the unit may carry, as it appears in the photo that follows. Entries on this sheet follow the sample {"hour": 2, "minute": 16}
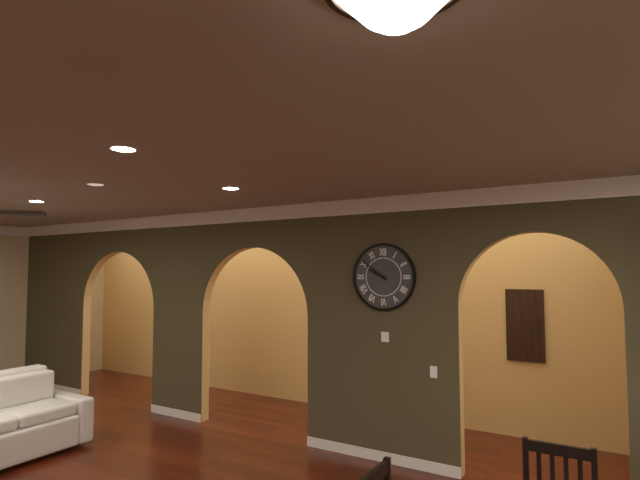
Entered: {"hour": 9, "minute": 51}
